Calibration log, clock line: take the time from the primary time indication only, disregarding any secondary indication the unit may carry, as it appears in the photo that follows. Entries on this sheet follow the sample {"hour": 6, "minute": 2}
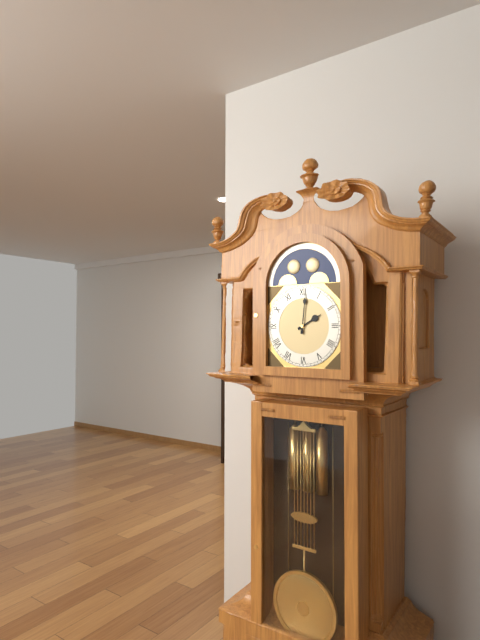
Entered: {"hour": 2, "minute": 1}
